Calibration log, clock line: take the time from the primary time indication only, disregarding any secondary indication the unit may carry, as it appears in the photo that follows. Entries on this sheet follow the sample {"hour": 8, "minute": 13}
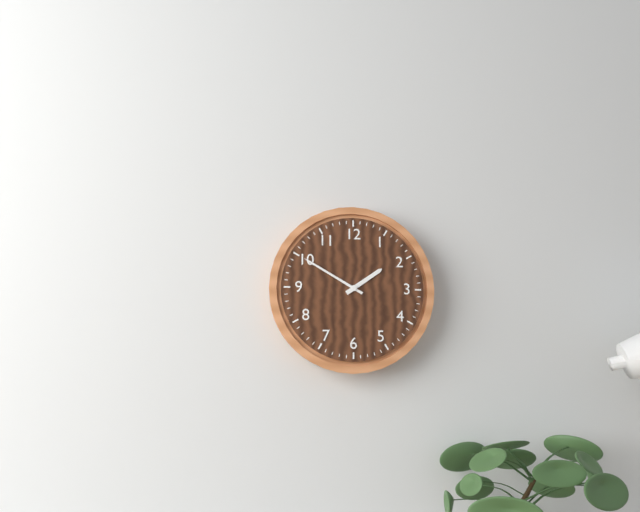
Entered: {"hour": 1, "minute": 50}
